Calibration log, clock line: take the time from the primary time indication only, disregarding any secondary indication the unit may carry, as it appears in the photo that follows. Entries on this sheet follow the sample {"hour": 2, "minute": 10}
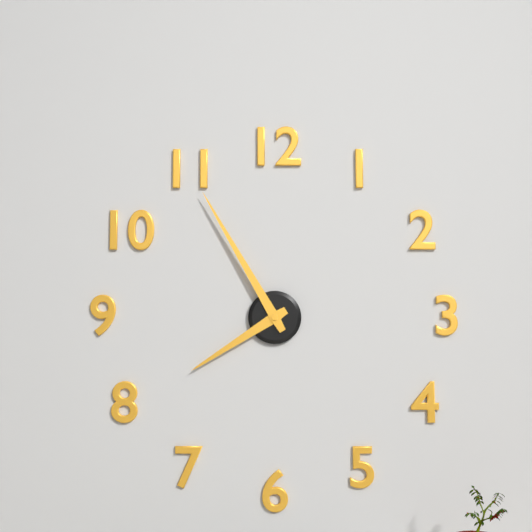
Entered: {"hour": 7, "minute": 55}
